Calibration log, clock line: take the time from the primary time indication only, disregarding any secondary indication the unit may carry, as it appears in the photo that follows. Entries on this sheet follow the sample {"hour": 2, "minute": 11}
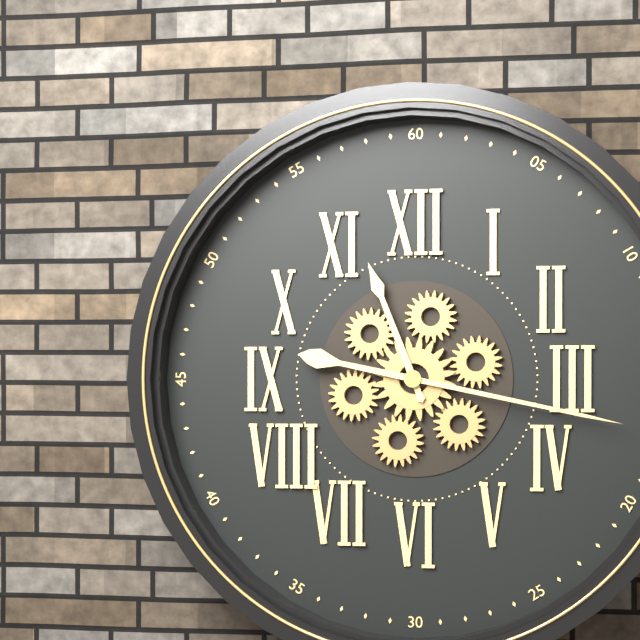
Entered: {"hour": 11, "minute": 17}
